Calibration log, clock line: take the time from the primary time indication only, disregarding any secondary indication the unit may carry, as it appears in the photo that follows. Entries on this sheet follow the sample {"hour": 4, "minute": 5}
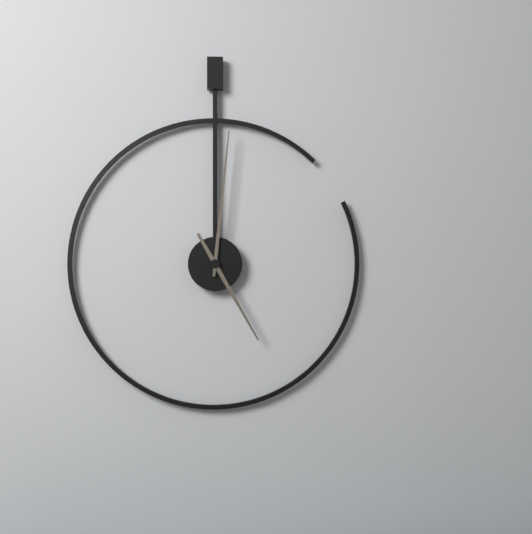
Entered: {"hour": 5, "minute": 1}
